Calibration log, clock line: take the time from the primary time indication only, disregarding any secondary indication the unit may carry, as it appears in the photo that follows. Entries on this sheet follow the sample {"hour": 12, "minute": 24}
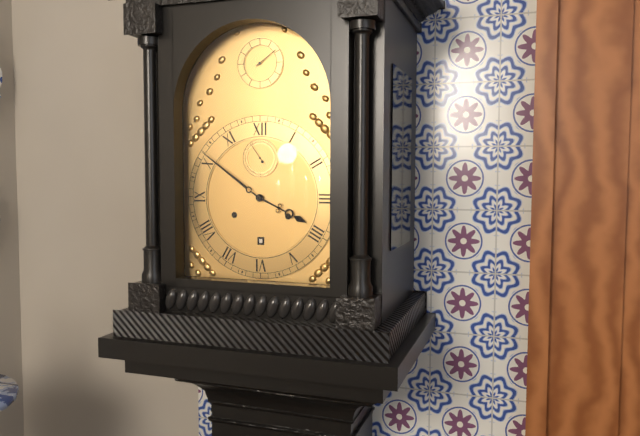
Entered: {"hour": 3, "minute": 51}
